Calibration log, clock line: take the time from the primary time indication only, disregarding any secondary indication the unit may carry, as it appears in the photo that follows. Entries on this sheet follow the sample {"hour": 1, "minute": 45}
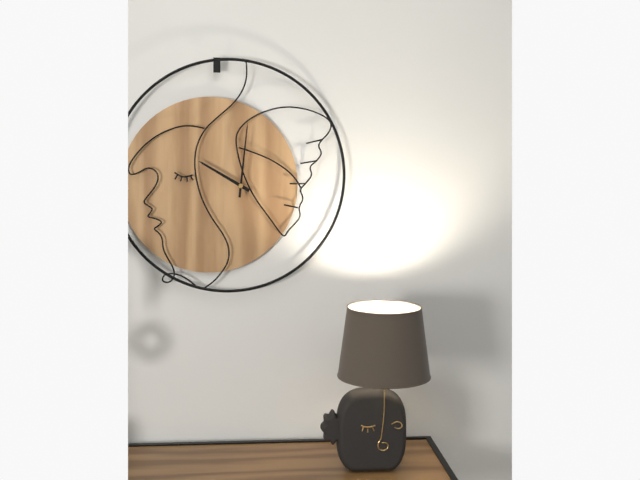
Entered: {"hour": 10, "minute": 1}
